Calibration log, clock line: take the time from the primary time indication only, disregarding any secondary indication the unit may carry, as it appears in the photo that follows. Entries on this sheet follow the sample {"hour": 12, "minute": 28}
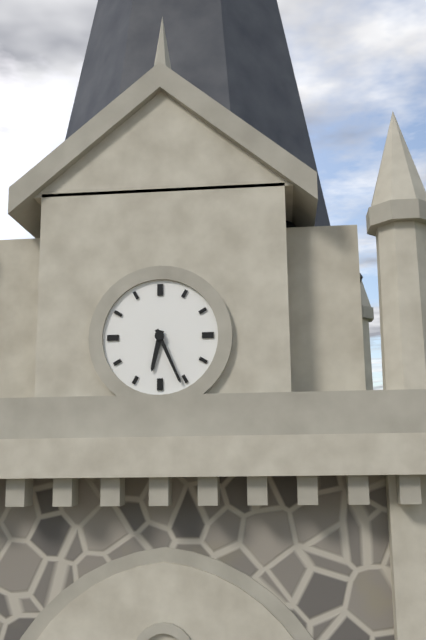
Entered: {"hour": 6, "minute": 26}
